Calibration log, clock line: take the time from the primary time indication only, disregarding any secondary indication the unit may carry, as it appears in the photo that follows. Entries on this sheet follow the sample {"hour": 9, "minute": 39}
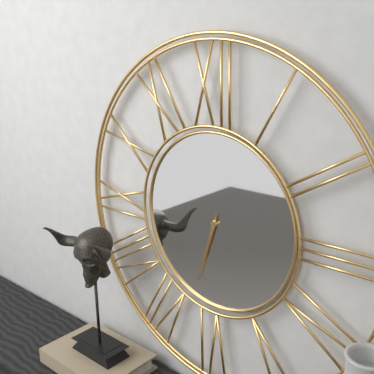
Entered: {"hour": 6, "minute": 33}
